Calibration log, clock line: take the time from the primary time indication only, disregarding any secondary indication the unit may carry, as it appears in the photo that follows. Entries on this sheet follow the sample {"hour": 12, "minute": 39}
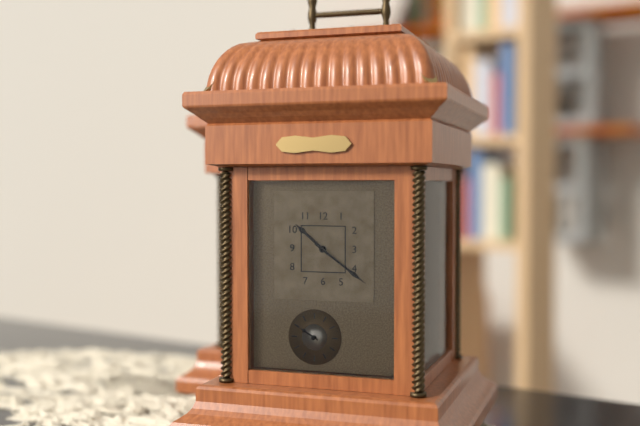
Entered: {"hour": 10, "minute": 21}
